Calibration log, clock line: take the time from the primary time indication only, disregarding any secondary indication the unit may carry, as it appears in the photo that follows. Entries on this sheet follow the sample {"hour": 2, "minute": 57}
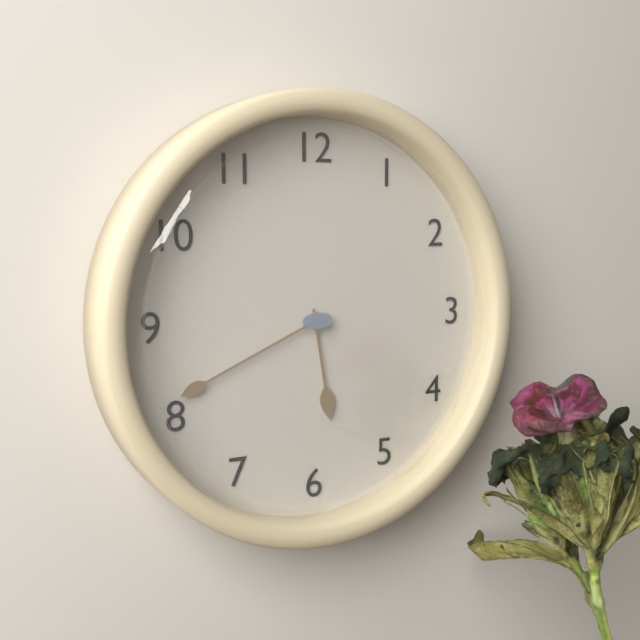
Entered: {"hour": 5, "minute": 41}
